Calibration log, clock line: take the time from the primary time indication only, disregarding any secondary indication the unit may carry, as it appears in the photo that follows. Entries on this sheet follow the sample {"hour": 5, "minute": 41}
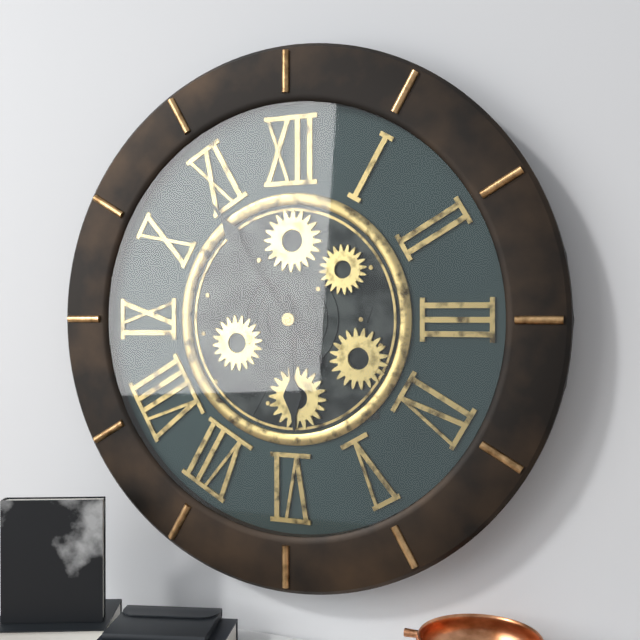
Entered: {"hour": 5, "minute": 54}
